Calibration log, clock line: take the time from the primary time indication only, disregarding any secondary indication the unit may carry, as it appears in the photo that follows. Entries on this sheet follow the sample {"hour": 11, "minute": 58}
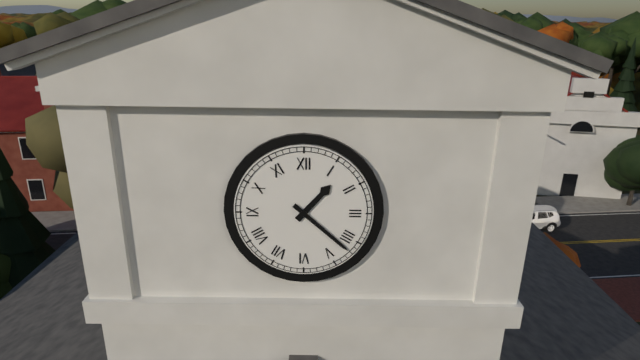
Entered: {"hour": 1, "minute": 22}
